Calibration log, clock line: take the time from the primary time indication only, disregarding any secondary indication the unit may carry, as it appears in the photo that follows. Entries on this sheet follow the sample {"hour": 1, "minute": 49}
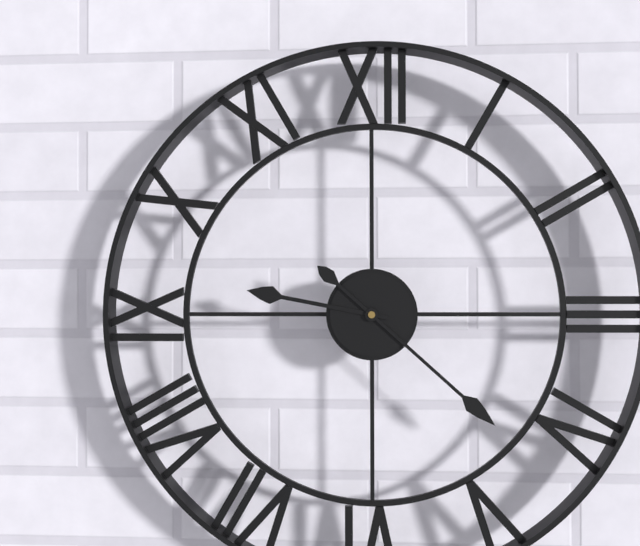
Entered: {"hour": 9, "minute": 22}
